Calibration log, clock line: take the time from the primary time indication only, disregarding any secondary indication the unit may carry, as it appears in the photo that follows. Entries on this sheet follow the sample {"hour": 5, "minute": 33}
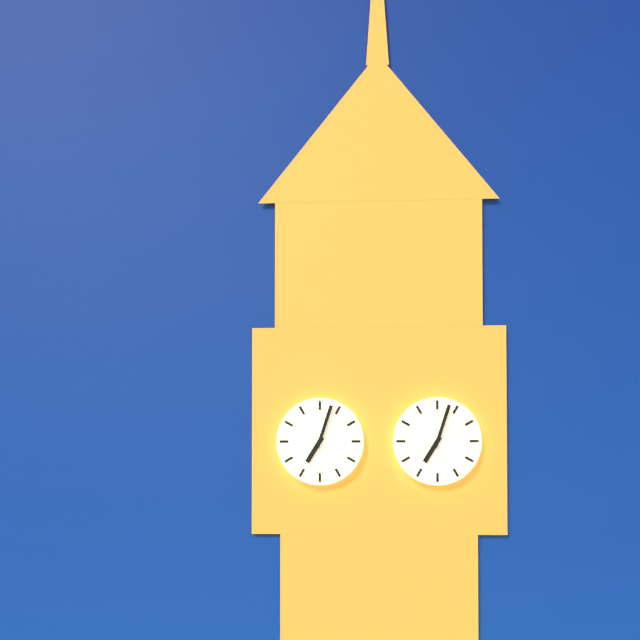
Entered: {"hour": 7, "minute": 3}
